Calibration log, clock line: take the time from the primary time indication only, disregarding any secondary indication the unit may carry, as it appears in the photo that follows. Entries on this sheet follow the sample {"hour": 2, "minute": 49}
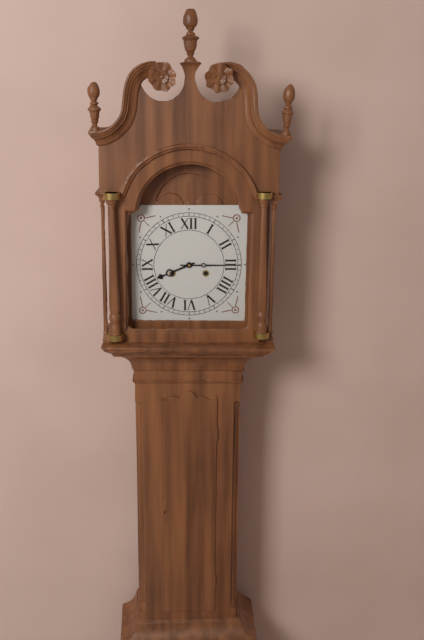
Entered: {"hour": 8, "minute": 15}
